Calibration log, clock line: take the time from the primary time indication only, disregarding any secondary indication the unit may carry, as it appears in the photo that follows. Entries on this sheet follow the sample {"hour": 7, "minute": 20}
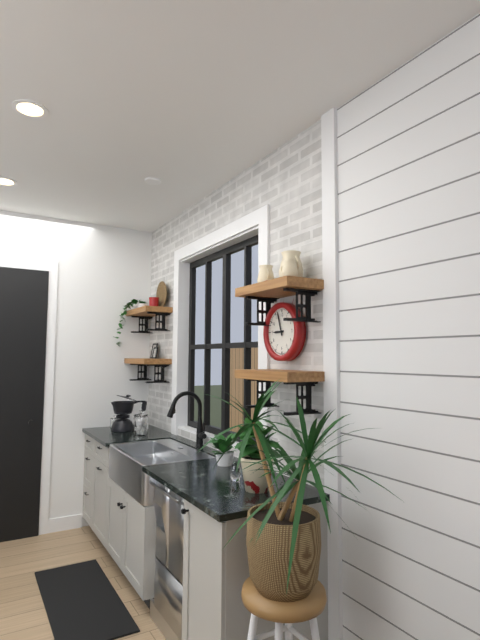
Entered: {"hour": 8, "minute": 57}
